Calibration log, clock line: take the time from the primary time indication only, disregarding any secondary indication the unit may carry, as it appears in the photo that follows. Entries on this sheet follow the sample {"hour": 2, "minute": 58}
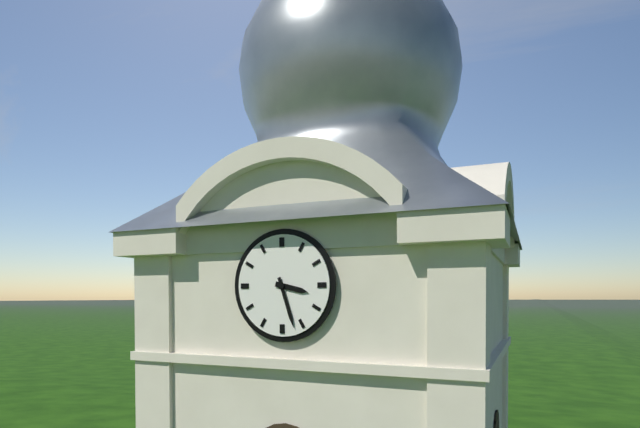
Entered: {"hour": 3, "minute": 27}
